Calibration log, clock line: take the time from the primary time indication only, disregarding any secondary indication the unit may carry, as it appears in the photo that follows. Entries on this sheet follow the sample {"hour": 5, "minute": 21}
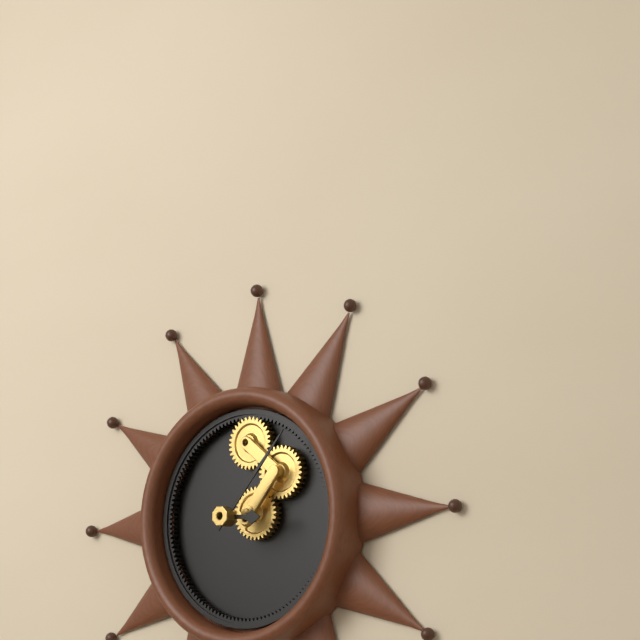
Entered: {"hour": 3, "minute": 7}
